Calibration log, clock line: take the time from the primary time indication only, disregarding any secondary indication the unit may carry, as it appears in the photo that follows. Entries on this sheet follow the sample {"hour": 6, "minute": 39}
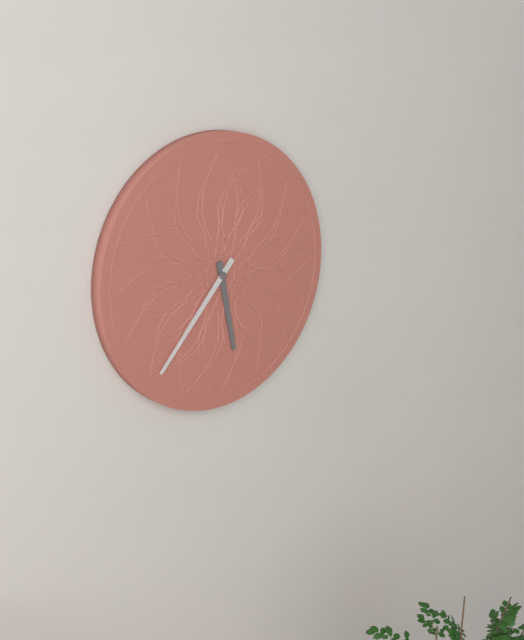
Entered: {"hour": 5, "minute": 37}
